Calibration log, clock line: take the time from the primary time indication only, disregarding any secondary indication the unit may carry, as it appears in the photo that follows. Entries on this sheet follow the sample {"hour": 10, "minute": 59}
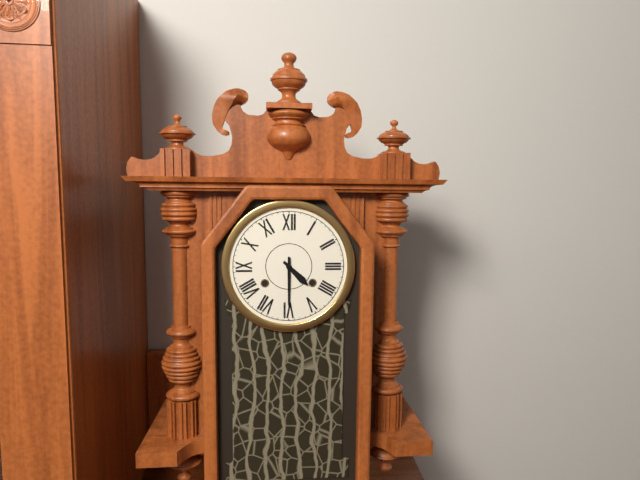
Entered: {"hour": 4, "minute": 30}
